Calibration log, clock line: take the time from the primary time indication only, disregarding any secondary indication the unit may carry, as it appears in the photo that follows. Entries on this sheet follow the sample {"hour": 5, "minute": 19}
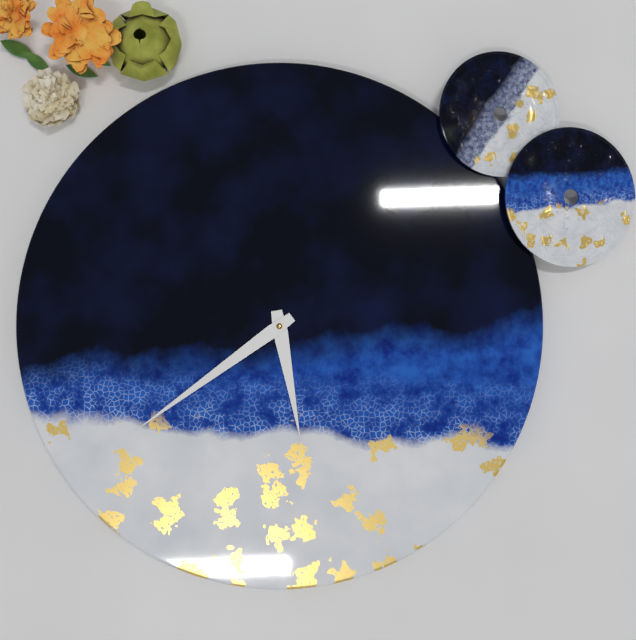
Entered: {"hour": 5, "minute": 39}
